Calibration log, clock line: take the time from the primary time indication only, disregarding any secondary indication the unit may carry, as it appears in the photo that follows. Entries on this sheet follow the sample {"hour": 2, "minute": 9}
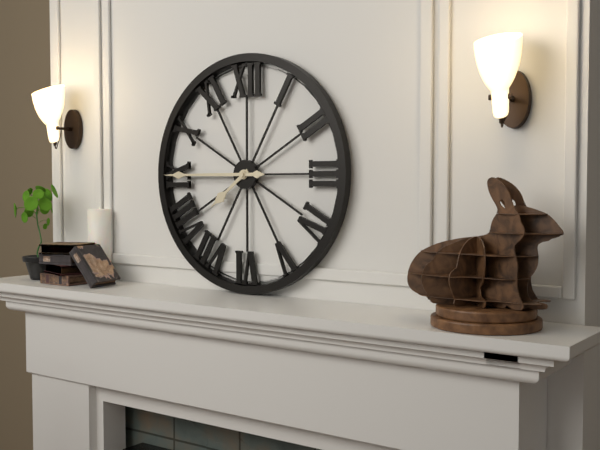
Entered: {"hour": 7, "minute": 45}
